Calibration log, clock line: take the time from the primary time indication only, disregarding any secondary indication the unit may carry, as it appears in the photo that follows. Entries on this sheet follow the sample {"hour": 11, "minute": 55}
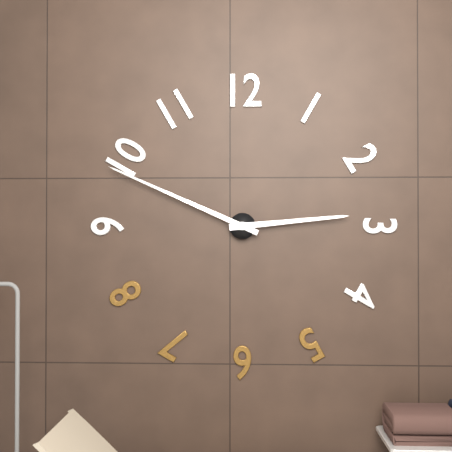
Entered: {"hour": 2, "minute": 49}
